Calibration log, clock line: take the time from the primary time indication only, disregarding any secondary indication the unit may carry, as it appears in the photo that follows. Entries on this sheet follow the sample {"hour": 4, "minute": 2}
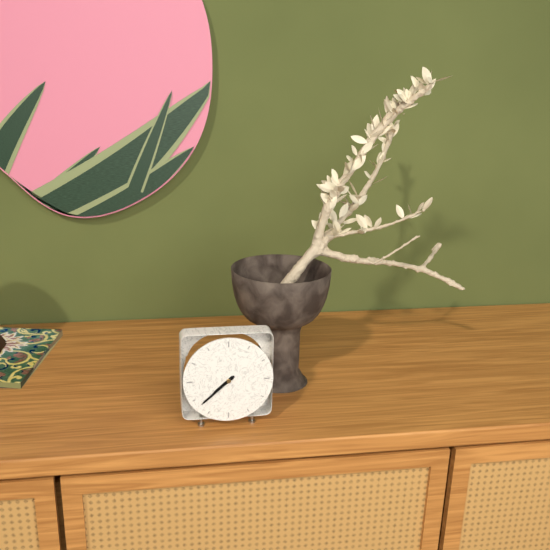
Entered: {"hour": 7, "minute": 38}
